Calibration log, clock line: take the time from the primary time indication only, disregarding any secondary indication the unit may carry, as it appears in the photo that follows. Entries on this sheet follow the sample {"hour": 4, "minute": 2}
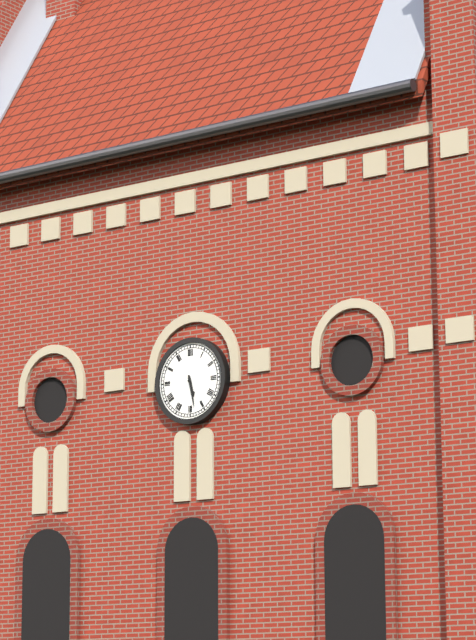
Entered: {"hour": 5, "minute": 28}
